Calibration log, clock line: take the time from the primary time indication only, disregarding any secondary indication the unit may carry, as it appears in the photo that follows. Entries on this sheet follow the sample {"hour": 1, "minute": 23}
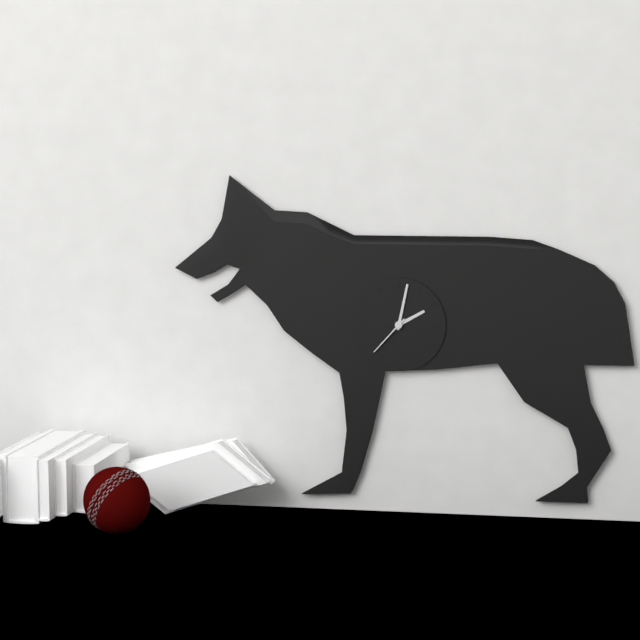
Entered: {"hour": 2, "minute": 2}
